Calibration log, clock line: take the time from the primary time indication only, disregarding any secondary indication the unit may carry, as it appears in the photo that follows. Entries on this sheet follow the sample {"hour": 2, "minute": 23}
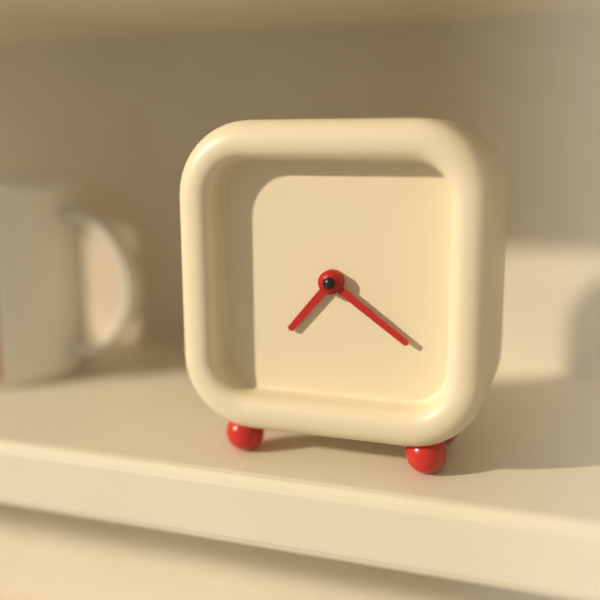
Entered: {"hour": 7, "minute": 21}
